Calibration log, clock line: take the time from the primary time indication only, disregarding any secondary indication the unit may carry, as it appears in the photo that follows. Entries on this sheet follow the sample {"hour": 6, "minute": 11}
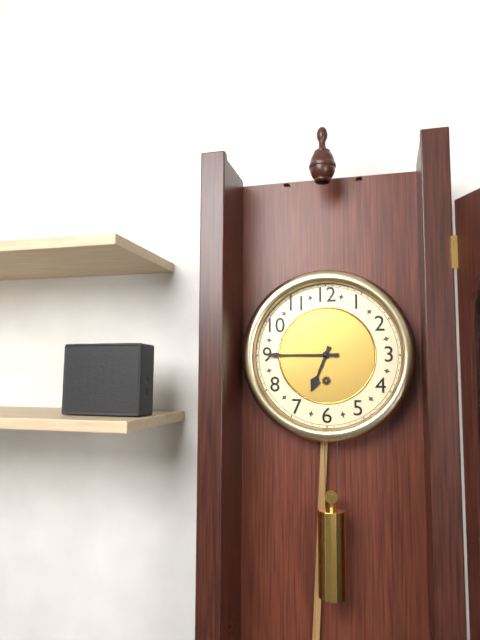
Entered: {"hour": 6, "minute": 45}
